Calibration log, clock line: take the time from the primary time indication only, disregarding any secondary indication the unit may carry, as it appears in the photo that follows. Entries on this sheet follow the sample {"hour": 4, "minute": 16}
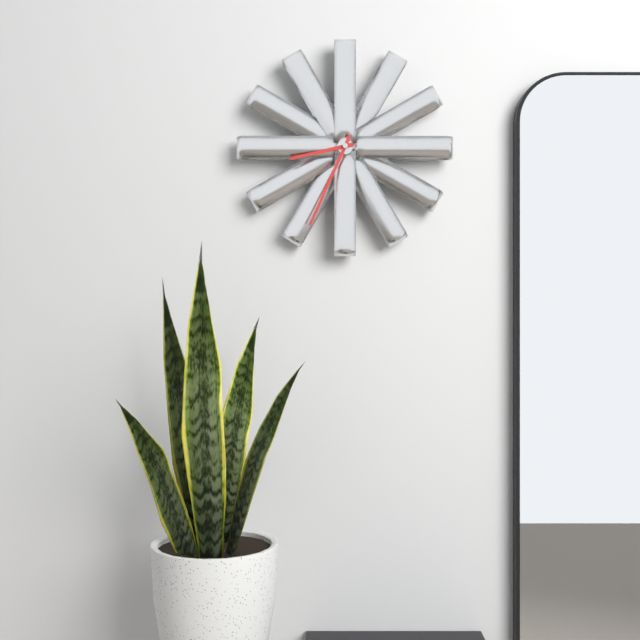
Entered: {"hour": 8, "minute": 34}
